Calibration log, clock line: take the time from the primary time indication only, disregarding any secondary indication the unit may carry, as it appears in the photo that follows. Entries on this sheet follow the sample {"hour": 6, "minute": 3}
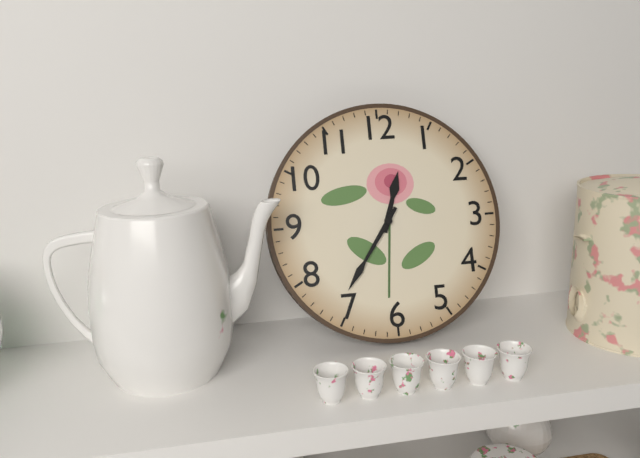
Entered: {"hour": 12, "minute": 36}
